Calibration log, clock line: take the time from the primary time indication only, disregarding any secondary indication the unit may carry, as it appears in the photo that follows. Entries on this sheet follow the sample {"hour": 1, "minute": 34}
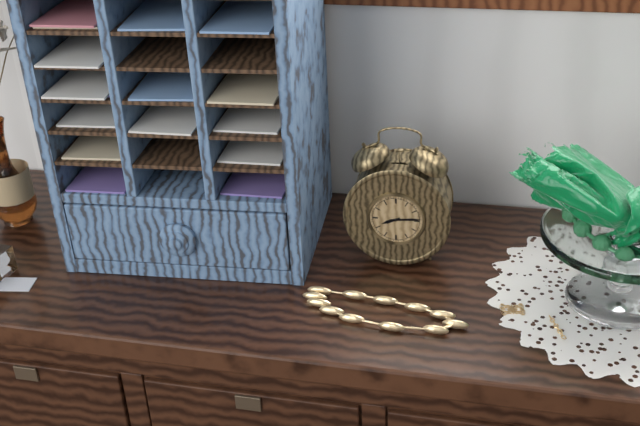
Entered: {"hour": 8, "minute": 14}
